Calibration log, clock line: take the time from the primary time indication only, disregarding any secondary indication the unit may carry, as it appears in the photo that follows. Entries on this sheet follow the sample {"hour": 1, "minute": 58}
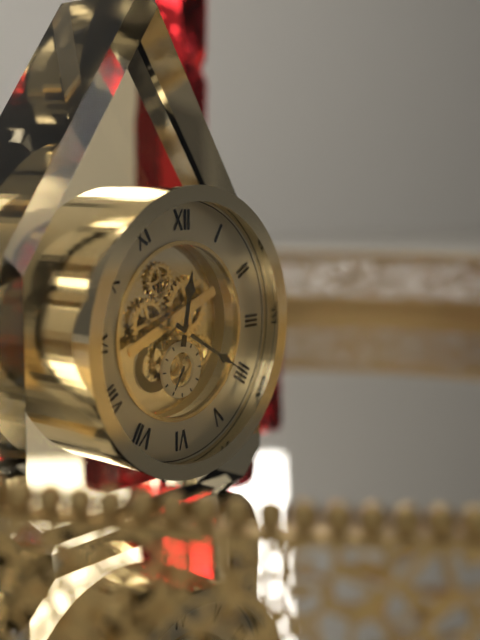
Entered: {"hour": 12, "minute": 20}
